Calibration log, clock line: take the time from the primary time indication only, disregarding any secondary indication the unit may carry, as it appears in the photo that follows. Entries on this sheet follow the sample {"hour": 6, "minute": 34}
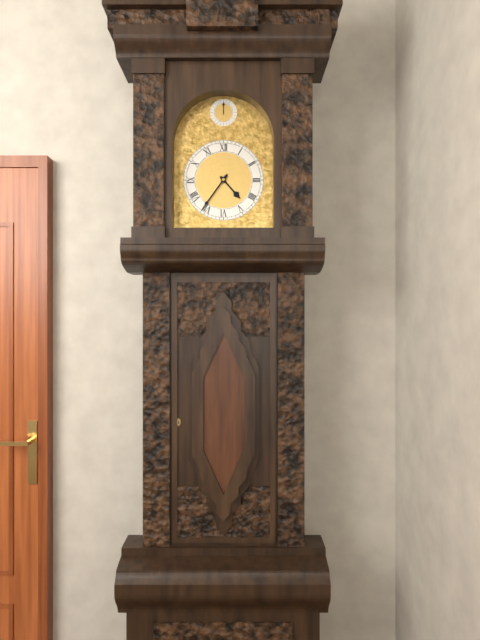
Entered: {"hour": 4, "minute": 36}
